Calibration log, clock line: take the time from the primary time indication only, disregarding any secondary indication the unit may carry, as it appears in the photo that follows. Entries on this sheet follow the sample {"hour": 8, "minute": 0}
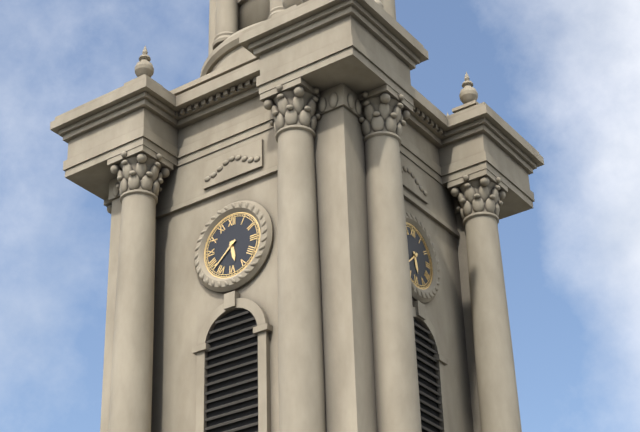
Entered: {"hour": 5, "minute": 38}
